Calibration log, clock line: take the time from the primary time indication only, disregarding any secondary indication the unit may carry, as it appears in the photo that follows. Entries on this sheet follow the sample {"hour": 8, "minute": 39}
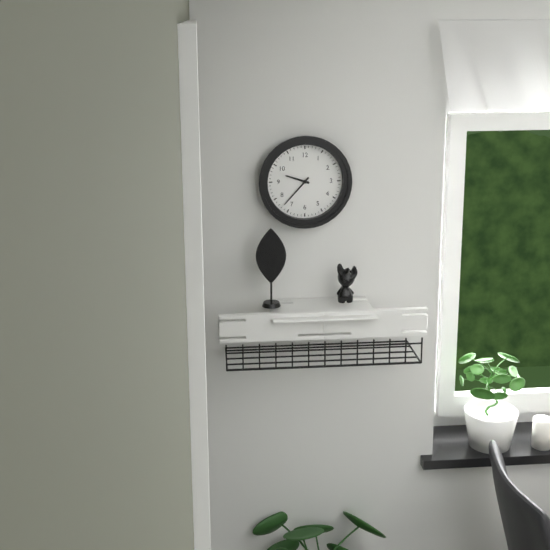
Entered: {"hour": 9, "minute": 37}
